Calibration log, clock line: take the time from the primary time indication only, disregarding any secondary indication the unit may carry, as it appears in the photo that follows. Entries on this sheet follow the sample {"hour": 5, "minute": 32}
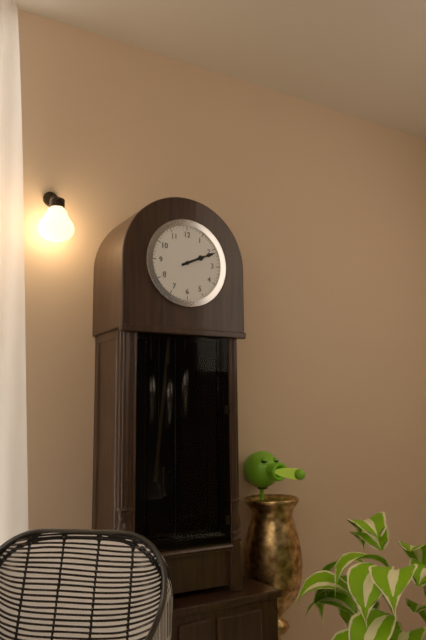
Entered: {"hour": 2, "minute": 11}
